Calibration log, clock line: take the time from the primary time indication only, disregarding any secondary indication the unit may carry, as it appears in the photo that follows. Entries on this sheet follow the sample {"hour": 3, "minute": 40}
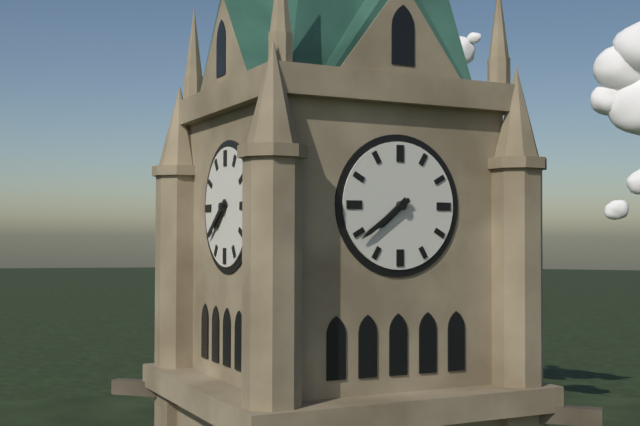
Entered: {"hour": 7, "minute": 39}
